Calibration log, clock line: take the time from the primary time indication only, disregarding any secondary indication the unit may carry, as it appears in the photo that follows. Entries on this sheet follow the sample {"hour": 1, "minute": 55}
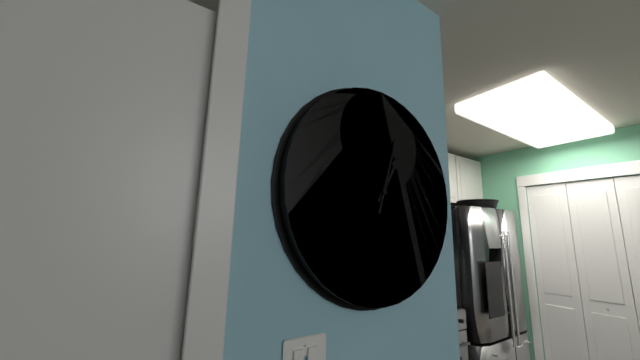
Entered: {"hour": 1, "minute": 3}
